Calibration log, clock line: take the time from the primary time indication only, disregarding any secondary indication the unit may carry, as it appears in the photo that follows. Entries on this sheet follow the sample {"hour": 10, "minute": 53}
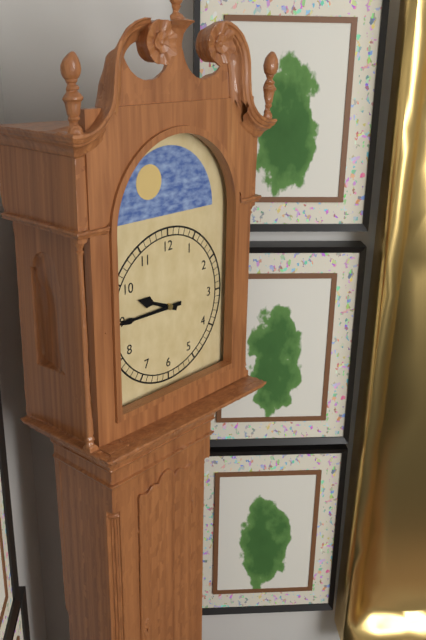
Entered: {"hour": 9, "minute": 45}
